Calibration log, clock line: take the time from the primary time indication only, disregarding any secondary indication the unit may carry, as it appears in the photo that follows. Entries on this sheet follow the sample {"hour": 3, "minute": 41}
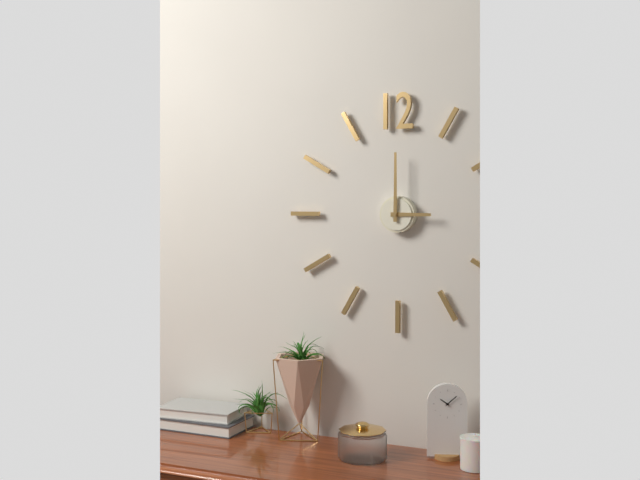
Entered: {"hour": 3, "minute": 0}
